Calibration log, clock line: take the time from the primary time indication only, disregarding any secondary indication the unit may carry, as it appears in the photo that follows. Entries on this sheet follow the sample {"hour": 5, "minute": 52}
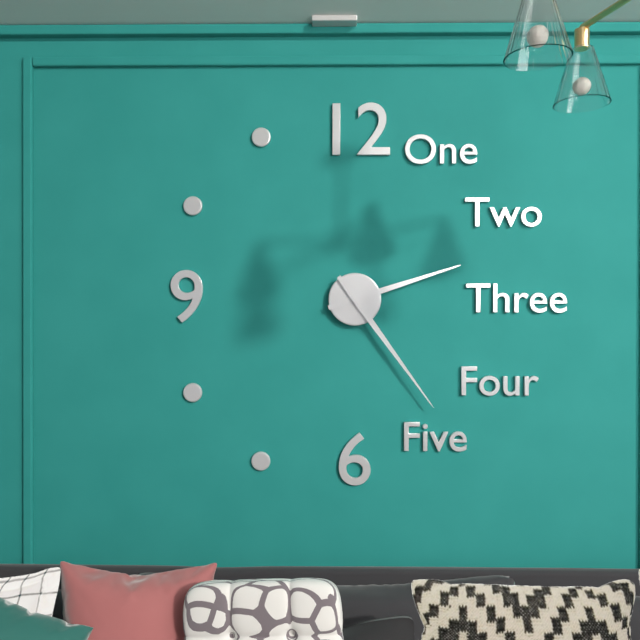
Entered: {"hour": 2, "minute": 24}
